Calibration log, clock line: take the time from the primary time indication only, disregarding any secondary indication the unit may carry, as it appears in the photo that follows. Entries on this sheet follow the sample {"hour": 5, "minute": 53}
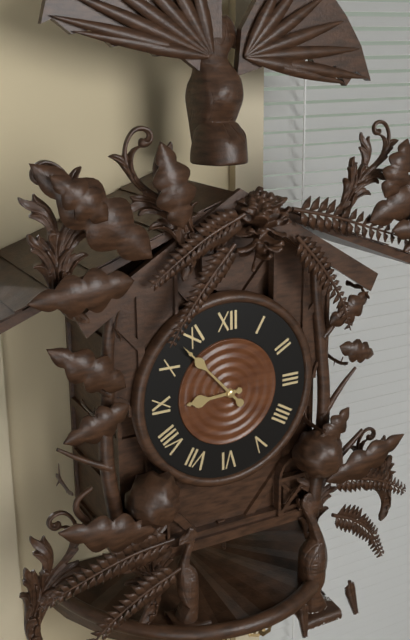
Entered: {"hour": 8, "minute": 53}
